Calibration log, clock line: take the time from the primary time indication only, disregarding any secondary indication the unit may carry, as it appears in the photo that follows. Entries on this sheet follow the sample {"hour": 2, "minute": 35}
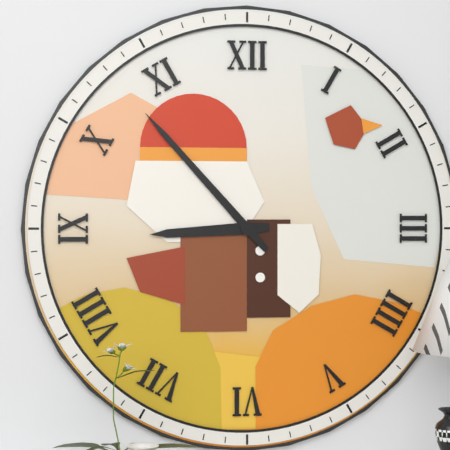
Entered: {"hour": 8, "minute": 53}
